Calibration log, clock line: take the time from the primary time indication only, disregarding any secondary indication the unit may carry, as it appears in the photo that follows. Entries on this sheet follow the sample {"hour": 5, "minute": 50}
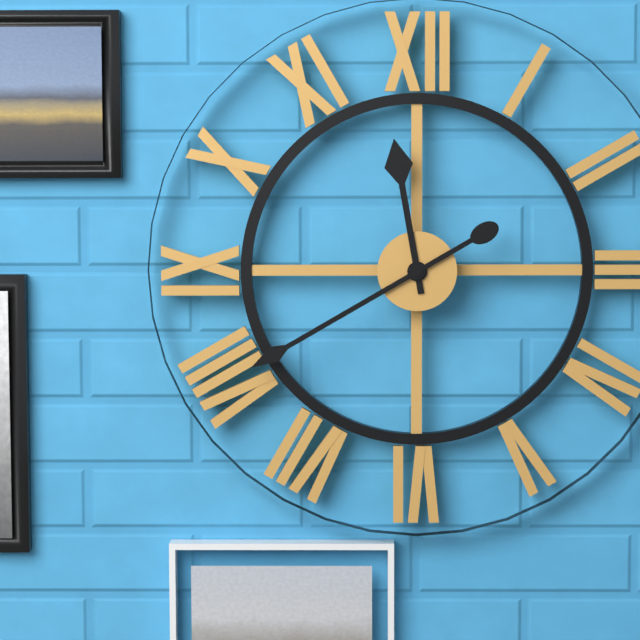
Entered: {"hour": 11, "minute": 40}
